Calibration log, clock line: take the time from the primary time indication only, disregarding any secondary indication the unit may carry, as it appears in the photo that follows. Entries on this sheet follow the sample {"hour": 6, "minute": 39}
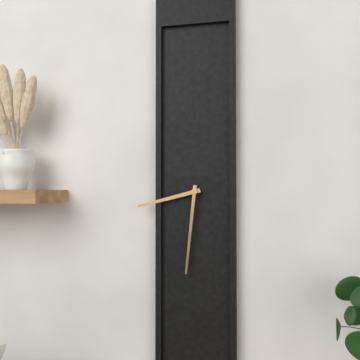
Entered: {"hour": 8, "minute": 31}
